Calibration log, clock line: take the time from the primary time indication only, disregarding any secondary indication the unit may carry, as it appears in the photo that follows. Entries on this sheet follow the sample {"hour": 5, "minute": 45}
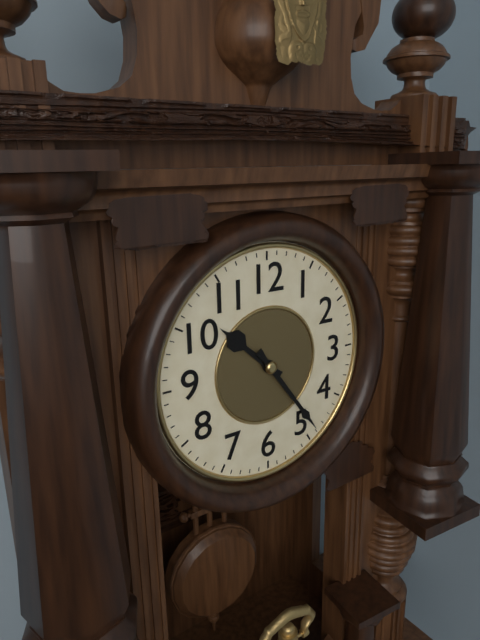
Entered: {"hour": 10, "minute": 24}
